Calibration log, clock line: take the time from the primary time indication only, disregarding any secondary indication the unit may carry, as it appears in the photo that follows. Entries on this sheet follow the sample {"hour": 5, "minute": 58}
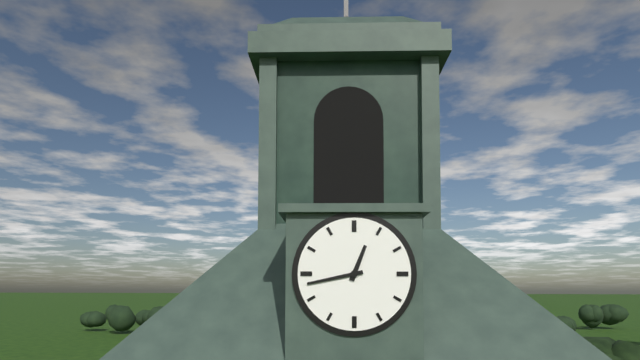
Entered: {"hour": 12, "minute": 43}
